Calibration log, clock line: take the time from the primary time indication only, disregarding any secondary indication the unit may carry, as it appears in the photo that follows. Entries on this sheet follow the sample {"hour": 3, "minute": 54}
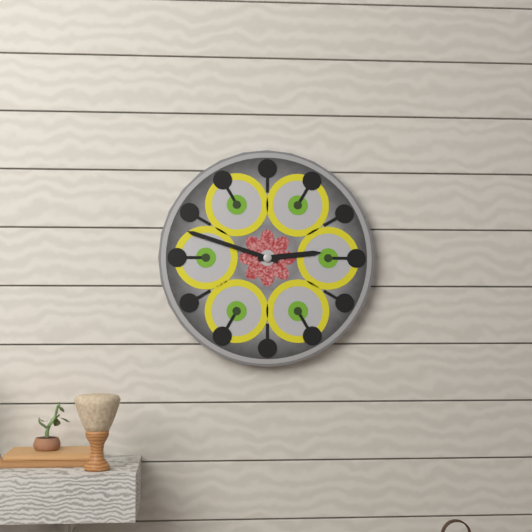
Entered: {"hour": 2, "minute": 48}
